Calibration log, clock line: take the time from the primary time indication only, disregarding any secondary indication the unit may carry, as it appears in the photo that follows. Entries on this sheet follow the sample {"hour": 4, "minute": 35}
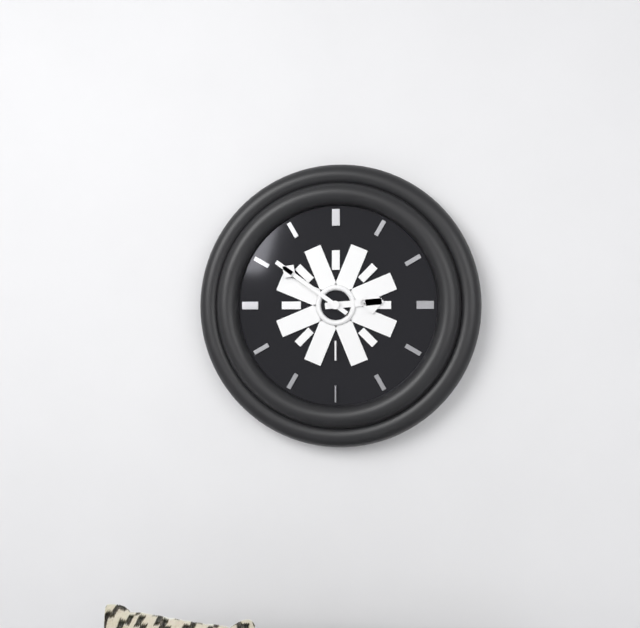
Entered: {"hour": 2, "minute": 51}
